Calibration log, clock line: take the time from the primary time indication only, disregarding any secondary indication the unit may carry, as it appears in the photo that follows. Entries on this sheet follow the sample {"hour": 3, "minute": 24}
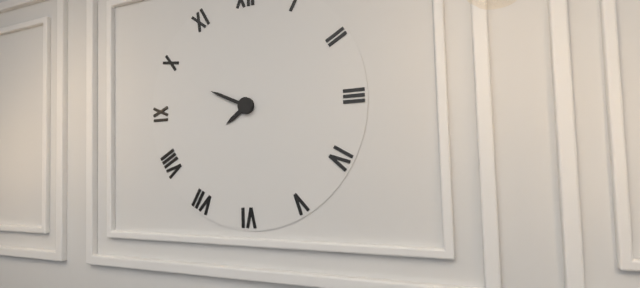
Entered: {"hour": 7, "minute": 49}
